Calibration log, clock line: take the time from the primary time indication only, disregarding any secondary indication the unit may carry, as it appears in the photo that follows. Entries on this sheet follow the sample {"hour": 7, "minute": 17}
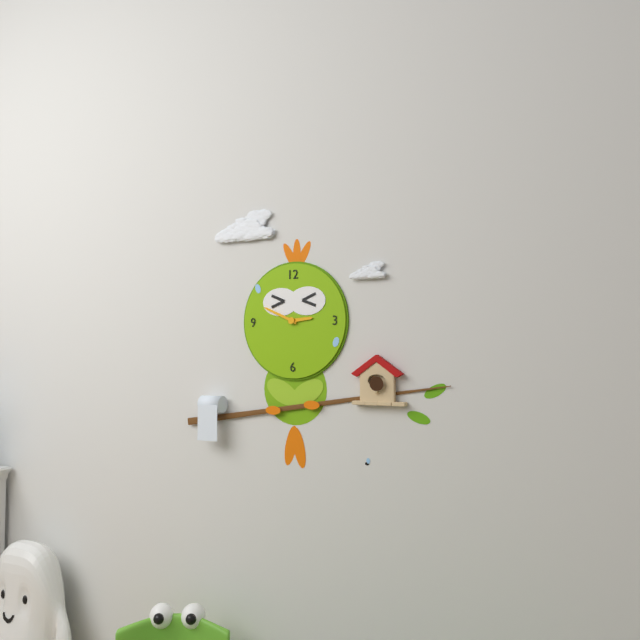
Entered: {"hour": 2, "minute": 49}
